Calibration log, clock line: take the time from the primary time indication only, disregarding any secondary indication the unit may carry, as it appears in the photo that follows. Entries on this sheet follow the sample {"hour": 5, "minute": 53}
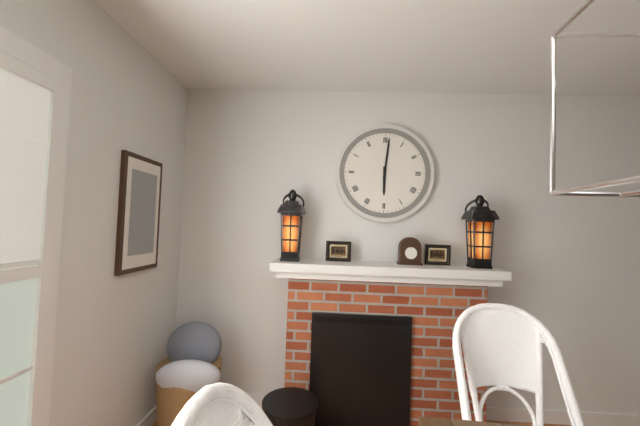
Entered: {"hour": 6, "minute": 1}
